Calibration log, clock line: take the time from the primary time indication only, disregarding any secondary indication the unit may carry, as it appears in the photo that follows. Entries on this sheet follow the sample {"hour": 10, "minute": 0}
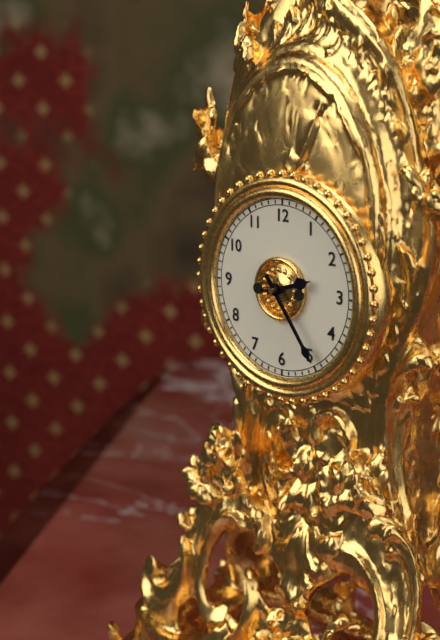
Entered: {"hour": 2, "minute": 24}
